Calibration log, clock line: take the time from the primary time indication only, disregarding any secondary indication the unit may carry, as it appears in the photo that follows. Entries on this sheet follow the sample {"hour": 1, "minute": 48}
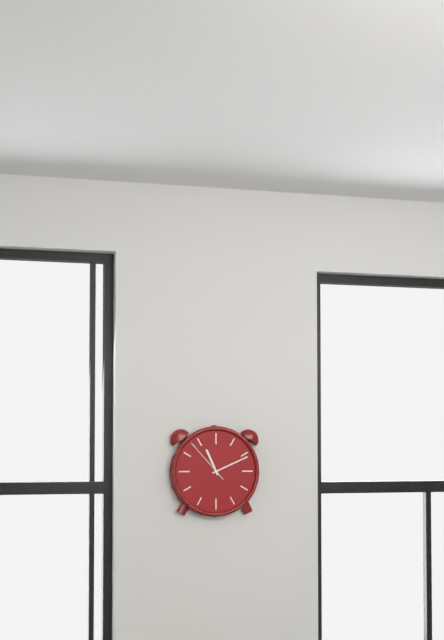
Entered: {"hour": 11, "minute": 11}
